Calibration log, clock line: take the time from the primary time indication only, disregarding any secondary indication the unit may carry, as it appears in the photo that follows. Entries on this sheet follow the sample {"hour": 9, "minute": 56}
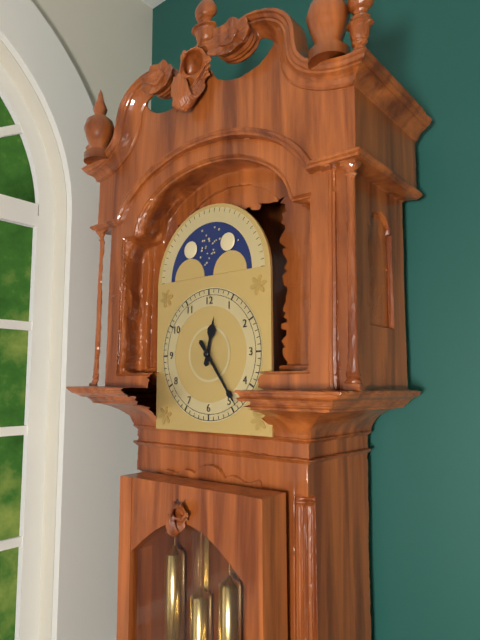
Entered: {"hour": 12, "minute": 24}
